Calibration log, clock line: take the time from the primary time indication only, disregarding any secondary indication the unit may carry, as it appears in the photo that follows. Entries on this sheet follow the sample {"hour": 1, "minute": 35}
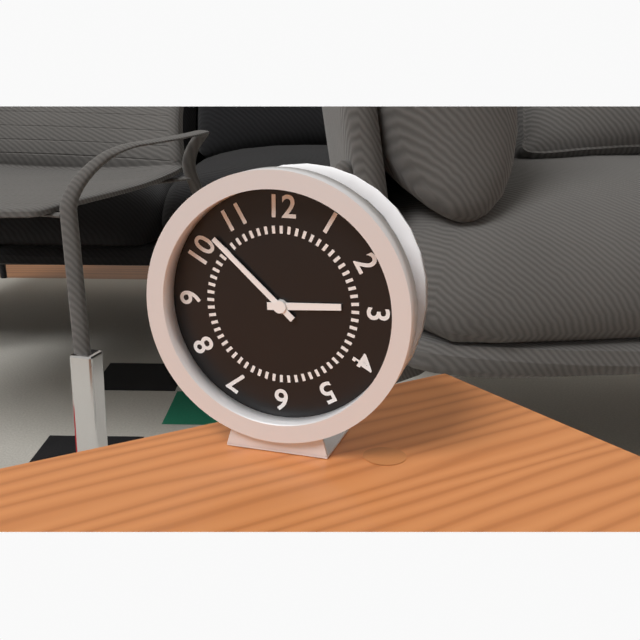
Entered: {"hour": 2, "minute": 52}
